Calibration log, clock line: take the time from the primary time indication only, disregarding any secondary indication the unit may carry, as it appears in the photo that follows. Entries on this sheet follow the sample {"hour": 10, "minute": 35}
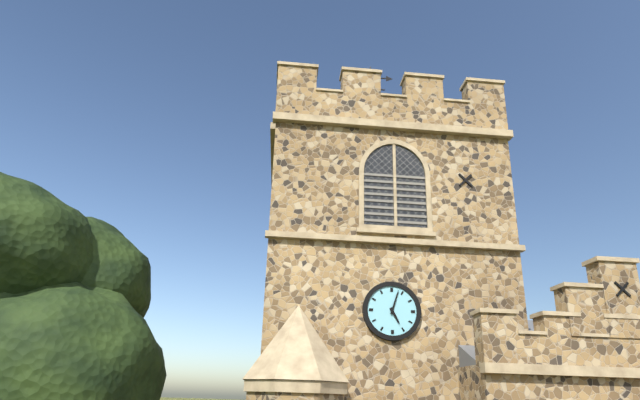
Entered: {"hour": 5, "minute": 3}
